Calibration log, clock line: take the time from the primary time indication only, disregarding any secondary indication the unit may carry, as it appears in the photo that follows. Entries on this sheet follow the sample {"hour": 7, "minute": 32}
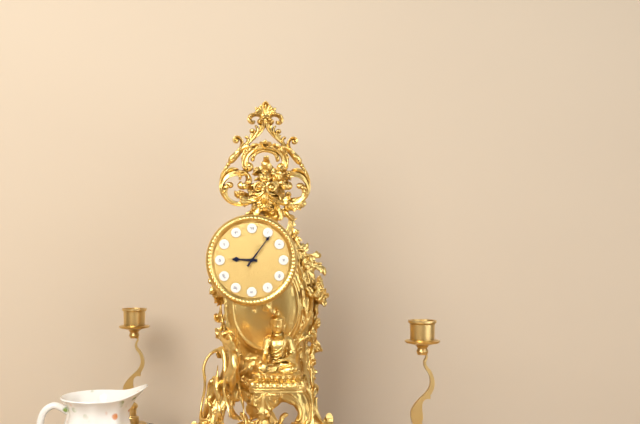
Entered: {"hour": 9, "minute": 6}
